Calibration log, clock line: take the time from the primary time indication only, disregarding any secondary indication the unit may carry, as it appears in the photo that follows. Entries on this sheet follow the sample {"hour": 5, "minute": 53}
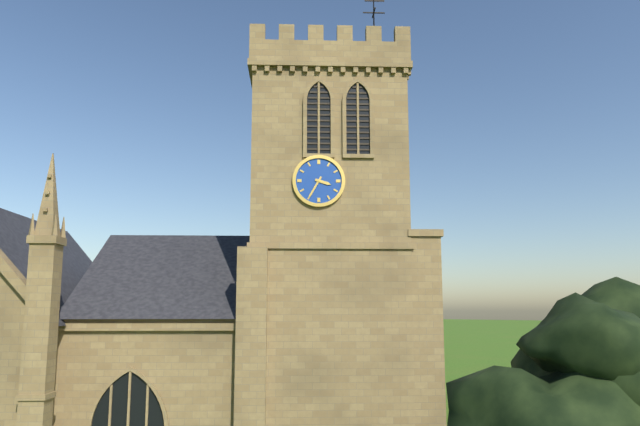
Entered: {"hour": 3, "minute": 35}
